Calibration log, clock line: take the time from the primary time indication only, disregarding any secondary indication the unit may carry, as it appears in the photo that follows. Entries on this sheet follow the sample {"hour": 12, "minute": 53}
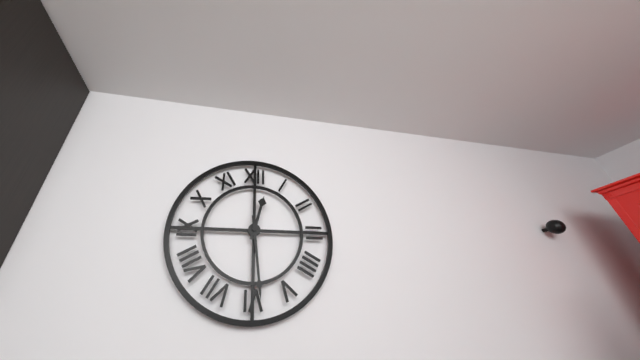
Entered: {"hour": 12, "minute": 29}
